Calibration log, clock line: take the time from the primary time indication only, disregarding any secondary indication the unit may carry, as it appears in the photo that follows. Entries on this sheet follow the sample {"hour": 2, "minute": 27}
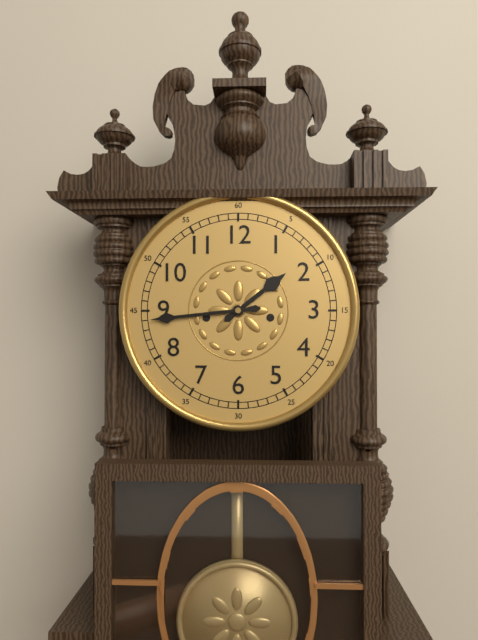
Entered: {"hour": 1, "minute": 44}
